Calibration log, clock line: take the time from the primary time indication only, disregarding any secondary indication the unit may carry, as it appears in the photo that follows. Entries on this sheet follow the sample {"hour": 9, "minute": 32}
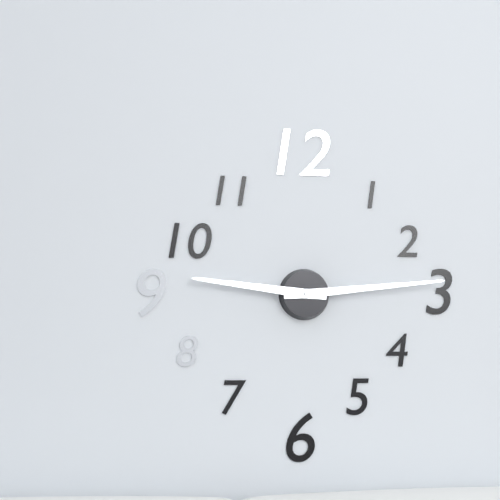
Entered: {"hour": 9, "minute": 14}
